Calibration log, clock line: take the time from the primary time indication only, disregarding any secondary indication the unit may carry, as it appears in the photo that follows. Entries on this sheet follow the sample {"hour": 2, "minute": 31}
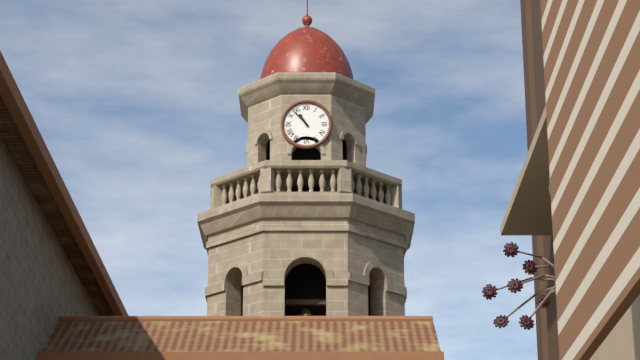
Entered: {"hour": 10, "minute": 53}
